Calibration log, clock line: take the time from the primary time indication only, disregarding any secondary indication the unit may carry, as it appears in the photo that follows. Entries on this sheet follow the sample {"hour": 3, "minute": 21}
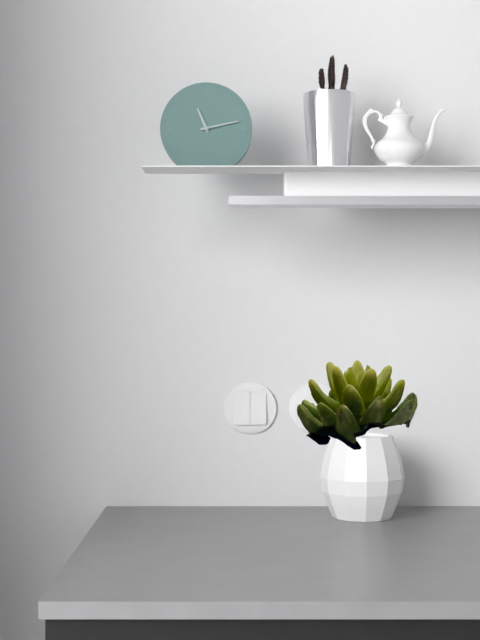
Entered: {"hour": 11, "minute": 13}
